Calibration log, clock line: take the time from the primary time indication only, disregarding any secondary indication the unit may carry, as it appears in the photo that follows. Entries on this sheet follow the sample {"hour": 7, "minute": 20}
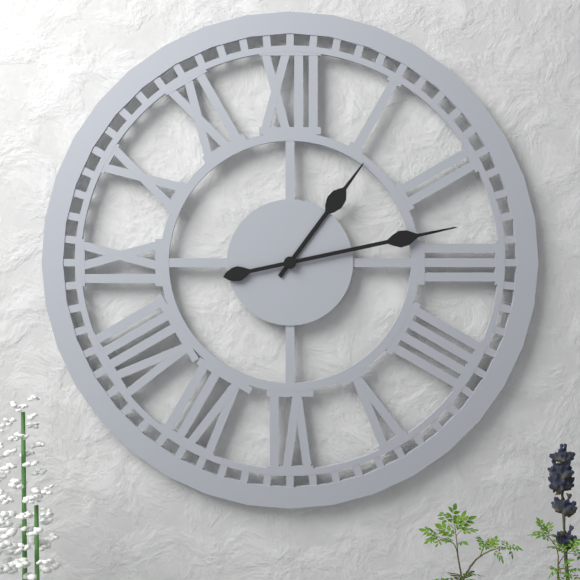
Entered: {"hour": 1, "minute": 13}
